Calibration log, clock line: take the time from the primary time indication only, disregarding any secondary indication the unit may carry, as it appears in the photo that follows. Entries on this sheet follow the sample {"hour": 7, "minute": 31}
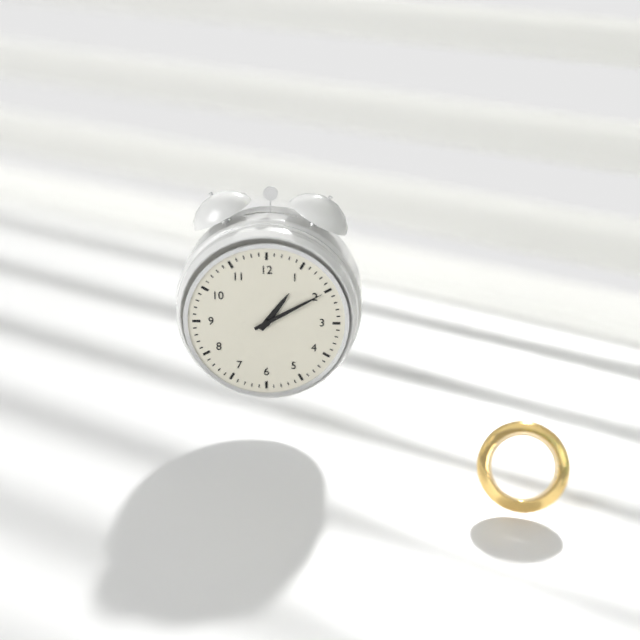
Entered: {"hour": 1, "minute": 10}
